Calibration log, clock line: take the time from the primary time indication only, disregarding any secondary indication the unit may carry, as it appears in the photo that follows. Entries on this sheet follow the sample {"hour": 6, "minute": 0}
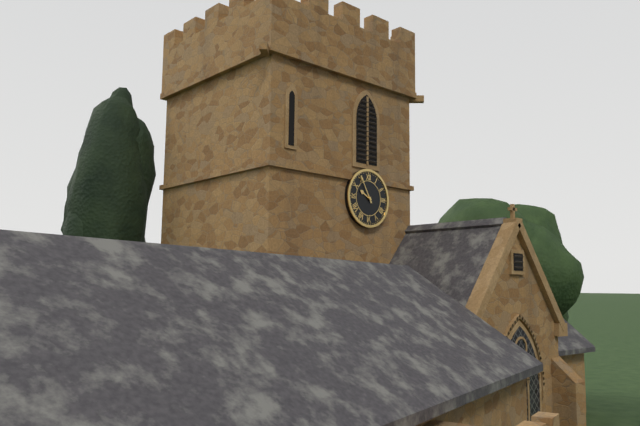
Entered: {"hour": 9, "minute": 55}
